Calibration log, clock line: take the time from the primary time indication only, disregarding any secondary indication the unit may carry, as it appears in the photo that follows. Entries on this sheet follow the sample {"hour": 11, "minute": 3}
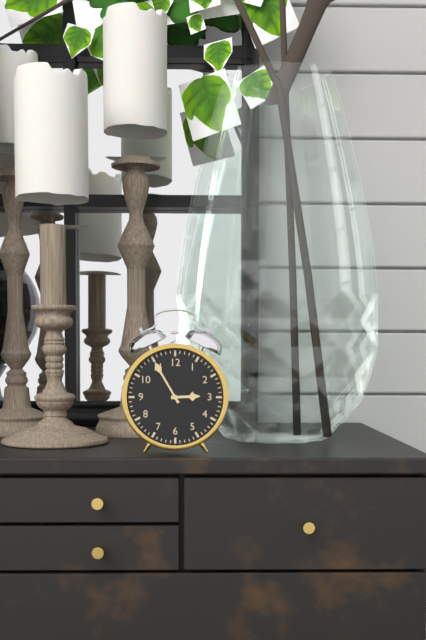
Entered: {"hour": 2, "minute": 55}
